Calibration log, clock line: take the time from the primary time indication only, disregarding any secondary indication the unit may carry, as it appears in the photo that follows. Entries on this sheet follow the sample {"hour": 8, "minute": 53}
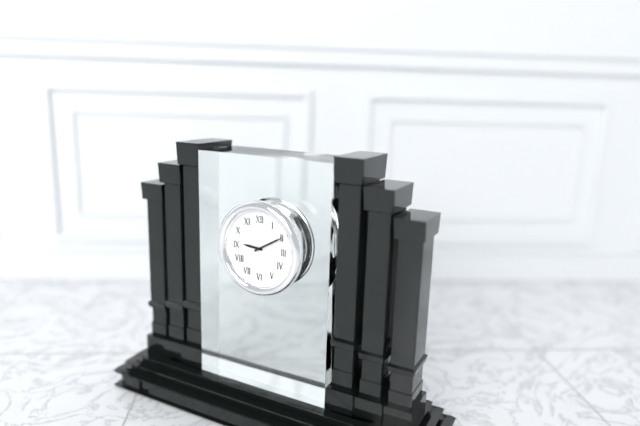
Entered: {"hour": 9, "minute": 10}
